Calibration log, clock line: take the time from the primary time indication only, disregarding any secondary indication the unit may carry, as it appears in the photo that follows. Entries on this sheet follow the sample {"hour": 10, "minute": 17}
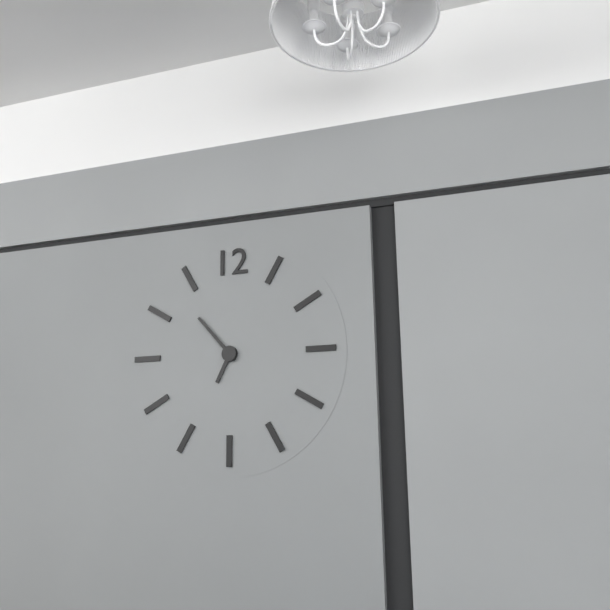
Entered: {"hour": 6, "minute": 53}
